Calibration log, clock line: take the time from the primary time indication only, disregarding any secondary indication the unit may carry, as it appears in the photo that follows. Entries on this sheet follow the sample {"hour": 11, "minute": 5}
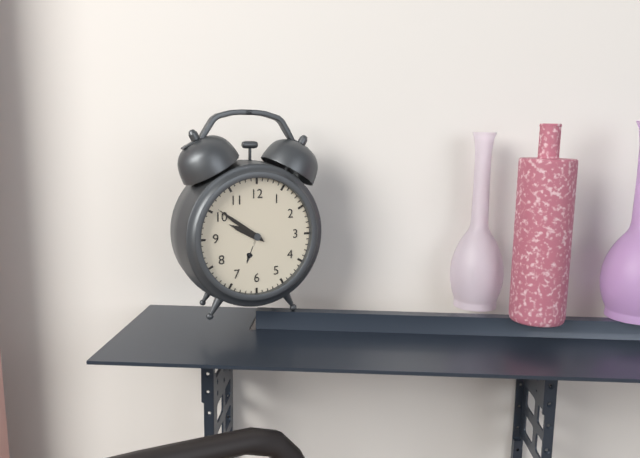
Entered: {"hour": 9, "minute": 51}
